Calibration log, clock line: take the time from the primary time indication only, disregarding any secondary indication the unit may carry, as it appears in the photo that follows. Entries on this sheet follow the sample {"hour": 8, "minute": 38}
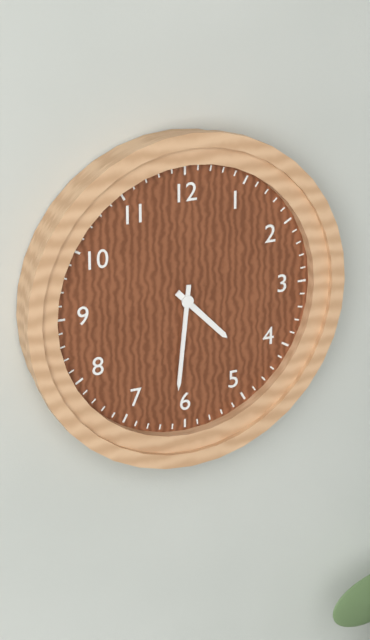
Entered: {"hour": 4, "minute": 31}
